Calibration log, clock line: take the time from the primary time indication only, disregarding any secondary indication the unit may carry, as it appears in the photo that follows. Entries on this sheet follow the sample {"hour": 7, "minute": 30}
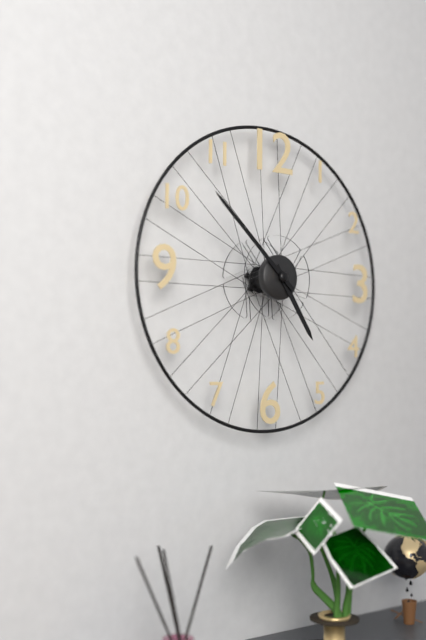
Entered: {"hour": 4, "minute": 52}
